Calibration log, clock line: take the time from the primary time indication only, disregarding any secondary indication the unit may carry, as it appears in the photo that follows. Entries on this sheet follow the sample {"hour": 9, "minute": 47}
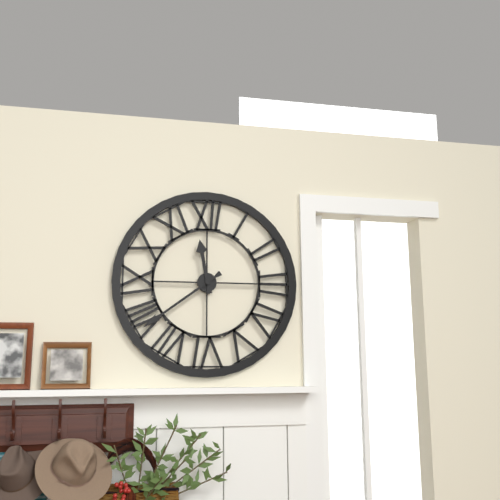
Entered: {"hour": 11, "minute": 39}
